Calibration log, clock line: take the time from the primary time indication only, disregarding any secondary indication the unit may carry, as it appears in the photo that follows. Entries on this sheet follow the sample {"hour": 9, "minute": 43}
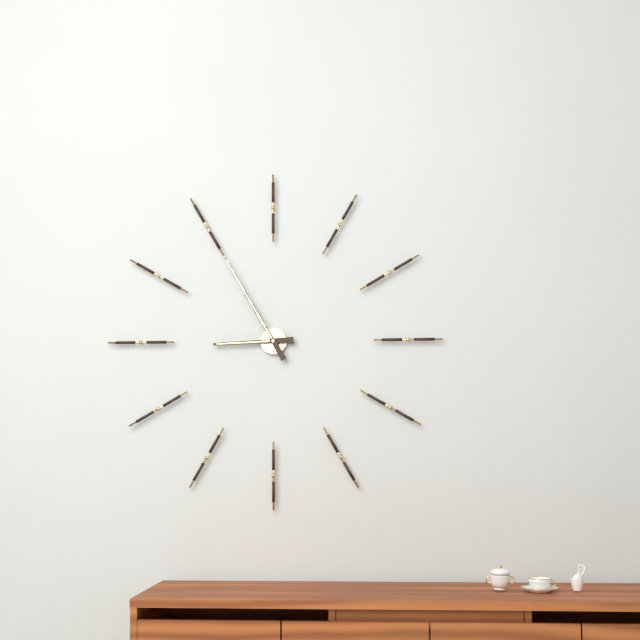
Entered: {"hour": 8, "minute": 55}
